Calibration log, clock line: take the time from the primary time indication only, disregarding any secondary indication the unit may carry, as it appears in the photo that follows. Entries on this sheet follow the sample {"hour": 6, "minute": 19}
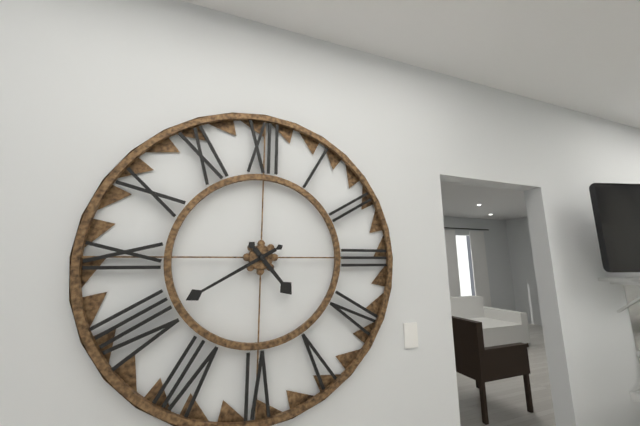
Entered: {"hour": 4, "minute": 40}
